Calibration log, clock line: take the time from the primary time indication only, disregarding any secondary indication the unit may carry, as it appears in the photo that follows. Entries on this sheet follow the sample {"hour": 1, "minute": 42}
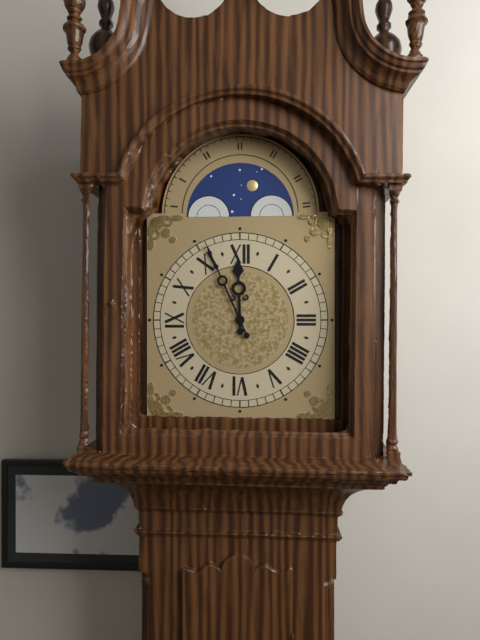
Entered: {"hour": 11, "minute": 56}
